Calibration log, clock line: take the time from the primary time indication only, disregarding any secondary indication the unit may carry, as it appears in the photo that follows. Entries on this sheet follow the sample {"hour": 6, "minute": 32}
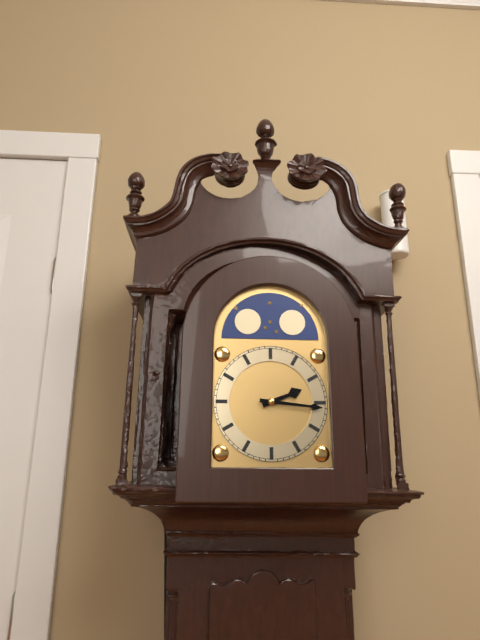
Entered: {"hour": 2, "minute": 16}
